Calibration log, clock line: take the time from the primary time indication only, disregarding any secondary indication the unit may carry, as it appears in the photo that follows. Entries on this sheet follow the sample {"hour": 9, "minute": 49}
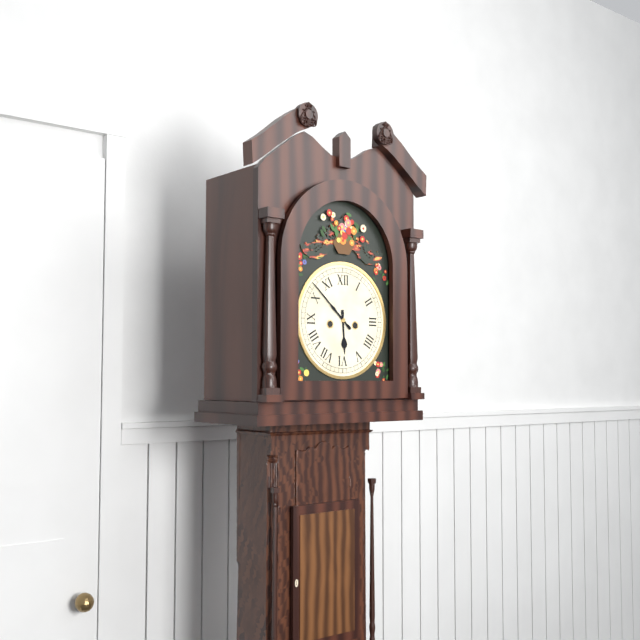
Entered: {"hour": 5, "minute": 52}
